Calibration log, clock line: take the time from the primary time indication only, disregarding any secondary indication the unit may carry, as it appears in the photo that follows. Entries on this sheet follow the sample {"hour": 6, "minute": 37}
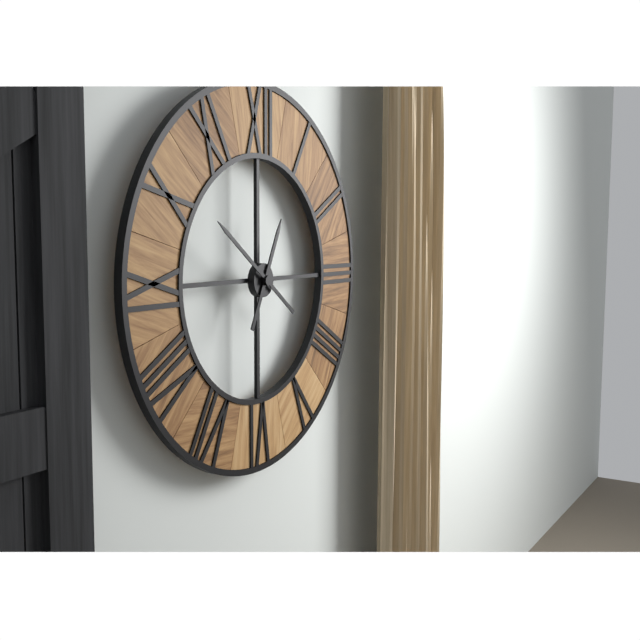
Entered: {"hour": 12, "minute": 51}
